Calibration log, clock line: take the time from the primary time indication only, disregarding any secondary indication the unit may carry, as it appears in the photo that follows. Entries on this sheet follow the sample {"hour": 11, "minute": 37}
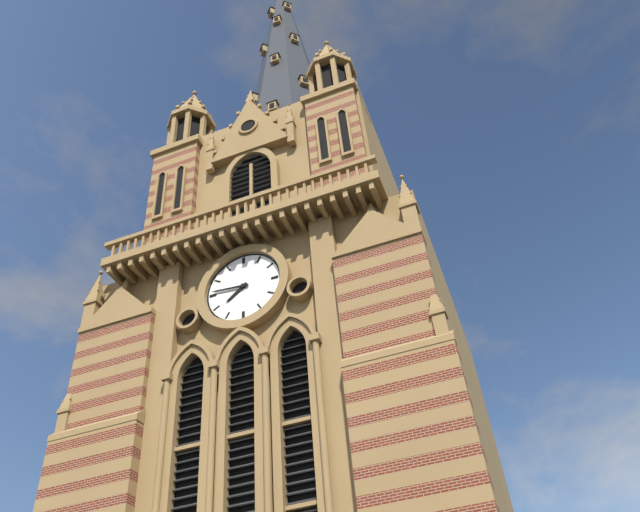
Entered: {"hour": 7, "minute": 46}
